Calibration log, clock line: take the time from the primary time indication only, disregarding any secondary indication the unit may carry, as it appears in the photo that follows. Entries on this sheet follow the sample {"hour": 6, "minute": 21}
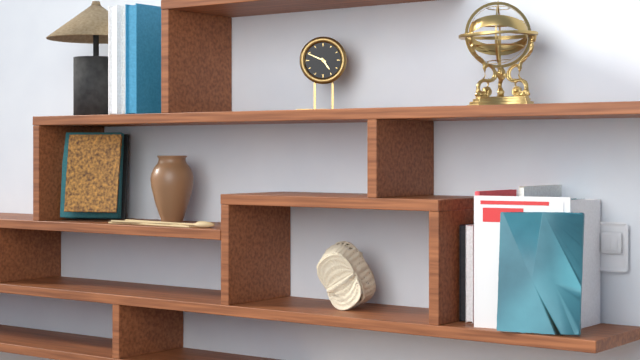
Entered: {"hour": 4, "minute": 49}
